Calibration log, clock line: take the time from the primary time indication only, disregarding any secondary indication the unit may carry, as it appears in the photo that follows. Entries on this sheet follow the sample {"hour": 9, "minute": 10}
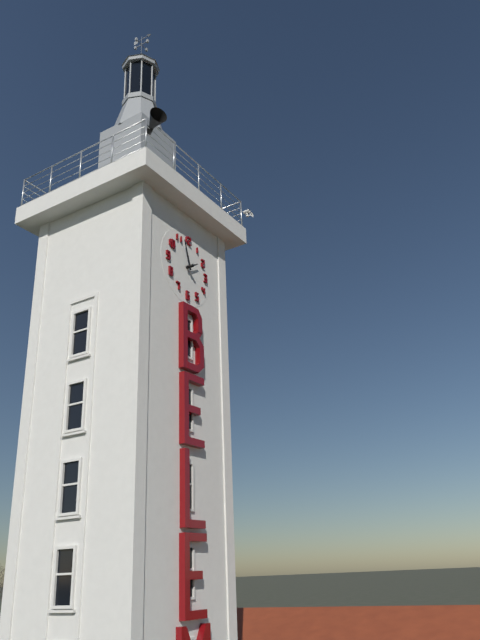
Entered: {"hour": 1, "minute": 57}
